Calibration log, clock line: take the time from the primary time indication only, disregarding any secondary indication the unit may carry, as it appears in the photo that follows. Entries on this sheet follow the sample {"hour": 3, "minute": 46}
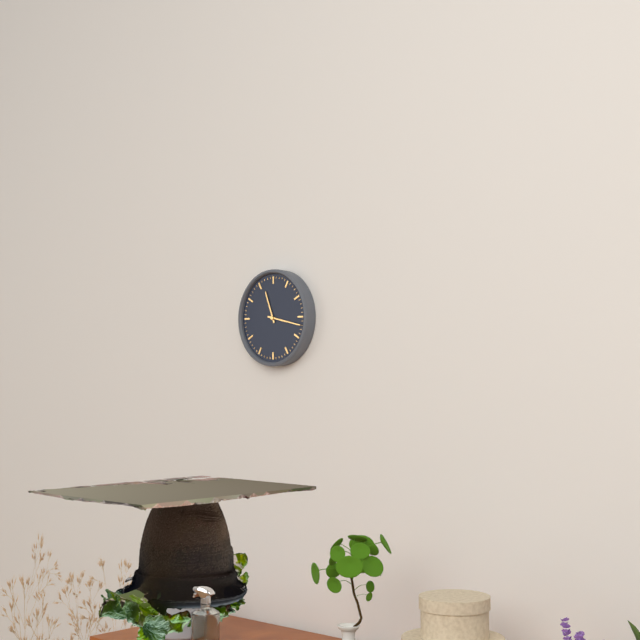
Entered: {"hour": 11, "minute": 17}
